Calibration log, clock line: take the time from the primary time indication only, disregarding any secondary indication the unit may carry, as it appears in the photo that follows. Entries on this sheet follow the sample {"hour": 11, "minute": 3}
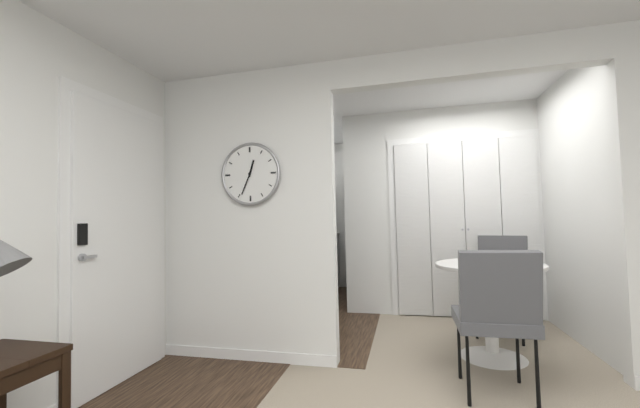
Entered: {"hour": 12, "minute": 34}
